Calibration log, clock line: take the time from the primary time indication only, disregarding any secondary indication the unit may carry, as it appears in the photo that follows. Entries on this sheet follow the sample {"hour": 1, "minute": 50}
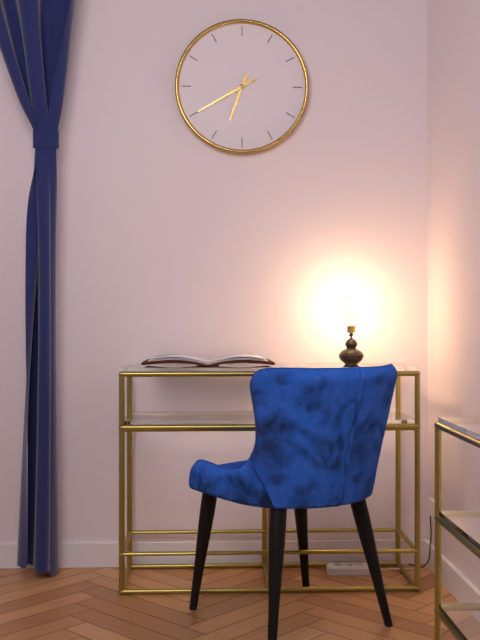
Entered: {"hour": 6, "minute": 40}
